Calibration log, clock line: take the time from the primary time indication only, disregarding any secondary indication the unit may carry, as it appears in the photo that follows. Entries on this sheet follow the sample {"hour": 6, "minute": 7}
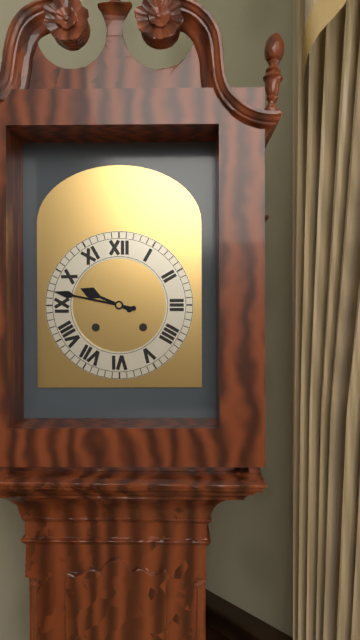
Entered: {"hour": 9, "minute": 47}
